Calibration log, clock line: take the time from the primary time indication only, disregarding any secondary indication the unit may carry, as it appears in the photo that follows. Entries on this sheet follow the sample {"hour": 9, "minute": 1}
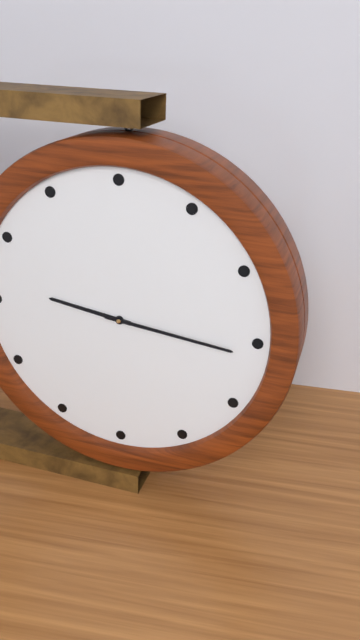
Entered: {"hour": 9, "minute": 16}
